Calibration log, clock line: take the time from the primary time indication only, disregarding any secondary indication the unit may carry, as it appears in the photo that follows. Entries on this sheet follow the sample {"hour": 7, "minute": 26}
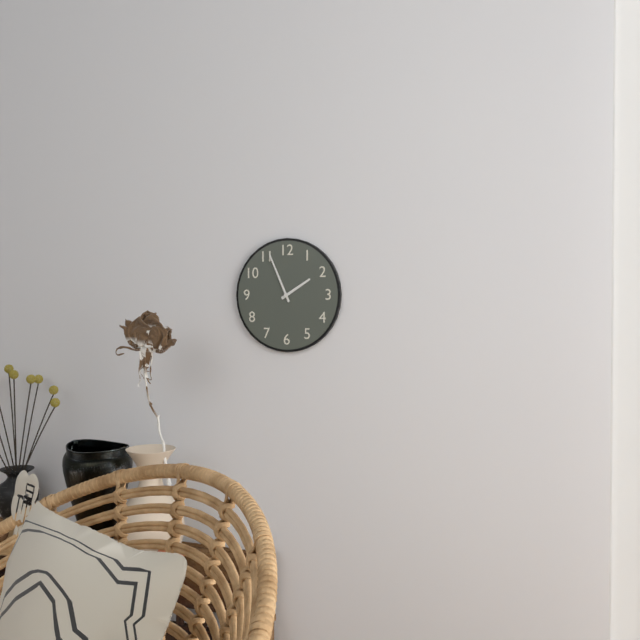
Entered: {"hour": 1, "minute": 56}
